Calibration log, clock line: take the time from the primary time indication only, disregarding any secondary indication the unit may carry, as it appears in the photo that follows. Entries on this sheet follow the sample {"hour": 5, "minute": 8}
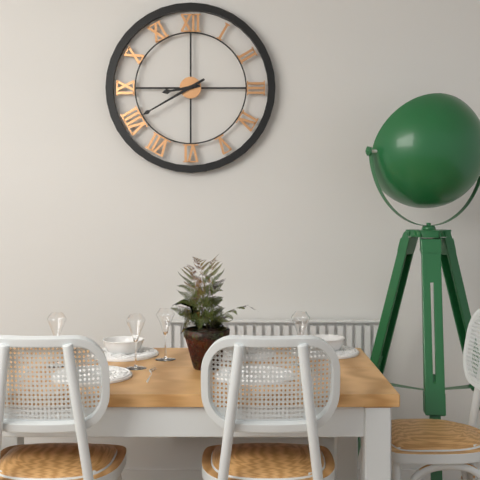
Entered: {"hour": 8, "minute": 40}
